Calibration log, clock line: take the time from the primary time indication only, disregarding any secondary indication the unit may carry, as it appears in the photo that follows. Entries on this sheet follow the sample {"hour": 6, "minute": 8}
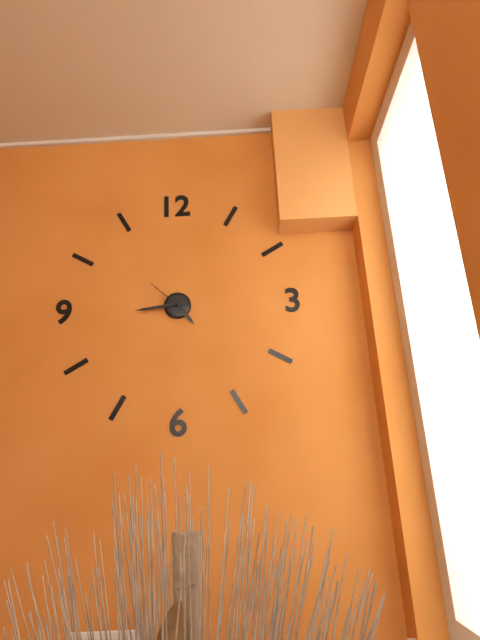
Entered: {"hour": 4, "minute": 44}
